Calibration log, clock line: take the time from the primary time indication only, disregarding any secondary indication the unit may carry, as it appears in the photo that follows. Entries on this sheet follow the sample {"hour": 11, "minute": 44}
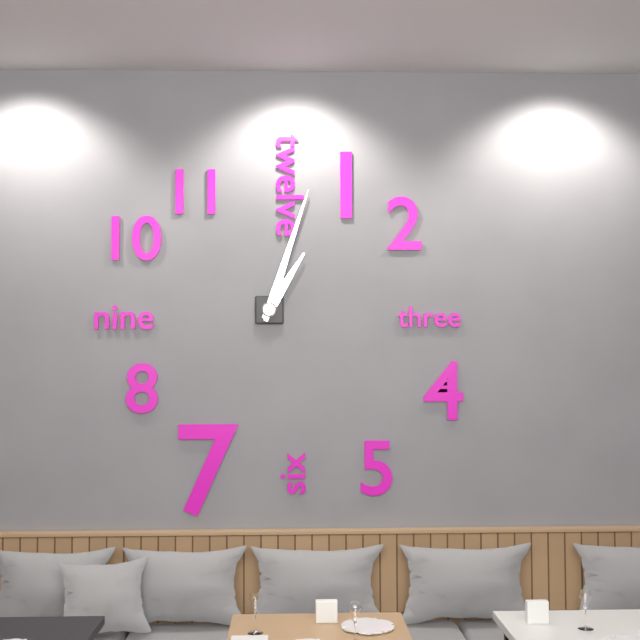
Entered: {"hour": 1, "minute": 3}
